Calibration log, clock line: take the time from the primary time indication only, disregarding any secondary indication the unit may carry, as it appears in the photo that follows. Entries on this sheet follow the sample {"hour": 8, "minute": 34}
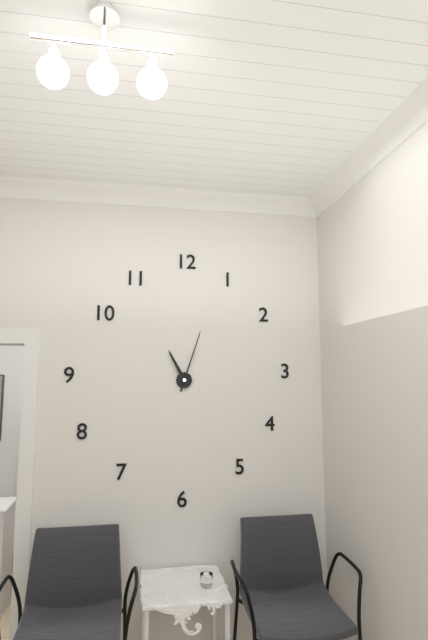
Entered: {"hour": 11, "minute": 3}
